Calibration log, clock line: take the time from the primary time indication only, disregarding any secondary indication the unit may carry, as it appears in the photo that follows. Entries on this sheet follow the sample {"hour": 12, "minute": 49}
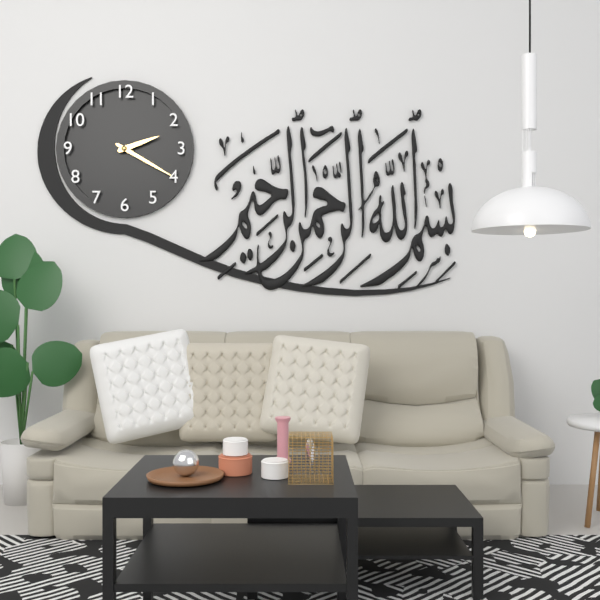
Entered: {"hour": 2, "minute": 20}
